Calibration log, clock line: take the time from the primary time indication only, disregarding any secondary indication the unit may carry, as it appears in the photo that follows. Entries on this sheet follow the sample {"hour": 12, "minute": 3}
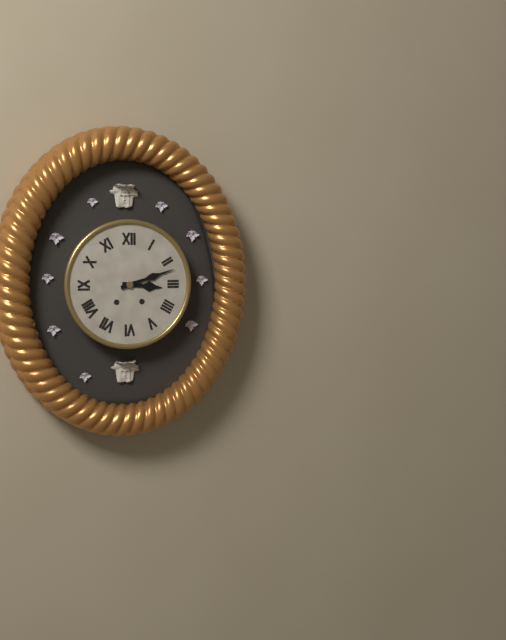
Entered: {"hour": 3, "minute": 12}
